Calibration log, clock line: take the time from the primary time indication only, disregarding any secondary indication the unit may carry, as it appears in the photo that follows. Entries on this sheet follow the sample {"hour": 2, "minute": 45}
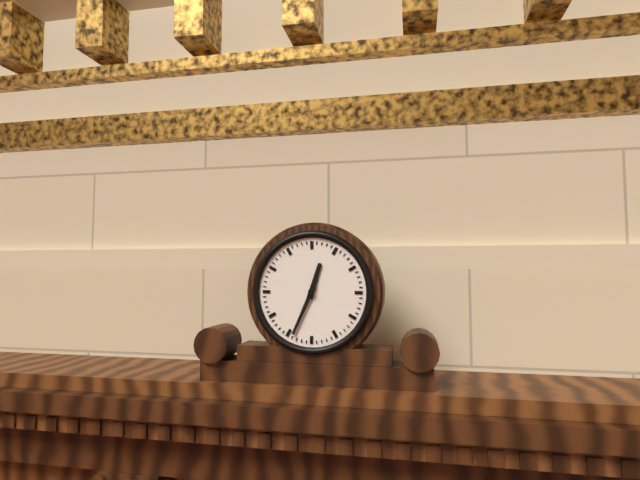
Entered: {"hour": 12, "minute": 34}
